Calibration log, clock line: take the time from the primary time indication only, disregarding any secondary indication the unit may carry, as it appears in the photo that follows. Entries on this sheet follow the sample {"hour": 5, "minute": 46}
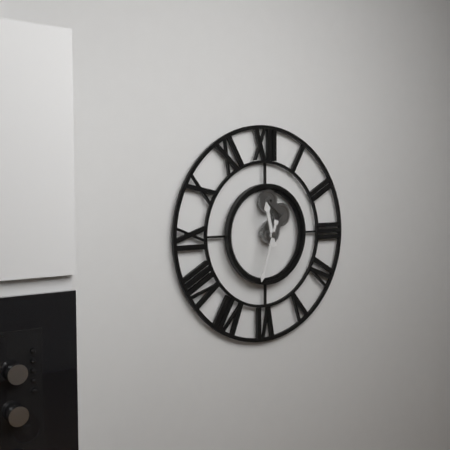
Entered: {"hour": 11, "minute": 33}
